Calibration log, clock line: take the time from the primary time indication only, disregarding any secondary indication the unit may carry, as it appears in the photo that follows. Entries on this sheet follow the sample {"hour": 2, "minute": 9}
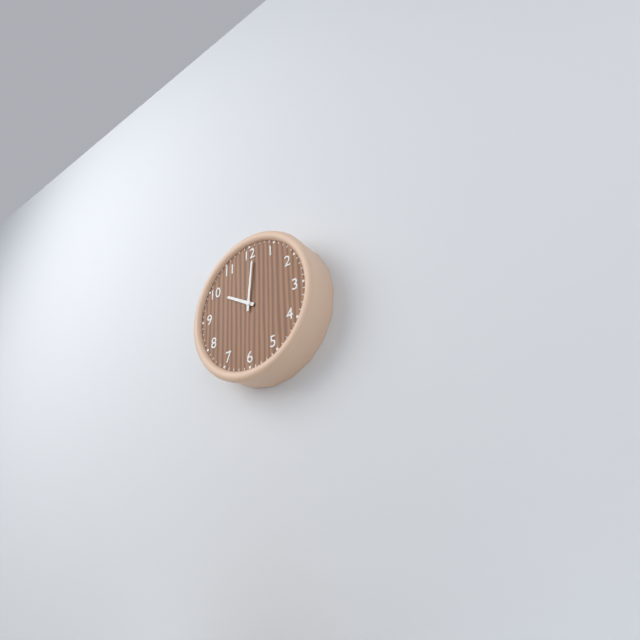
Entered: {"hour": 10, "minute": 1}
